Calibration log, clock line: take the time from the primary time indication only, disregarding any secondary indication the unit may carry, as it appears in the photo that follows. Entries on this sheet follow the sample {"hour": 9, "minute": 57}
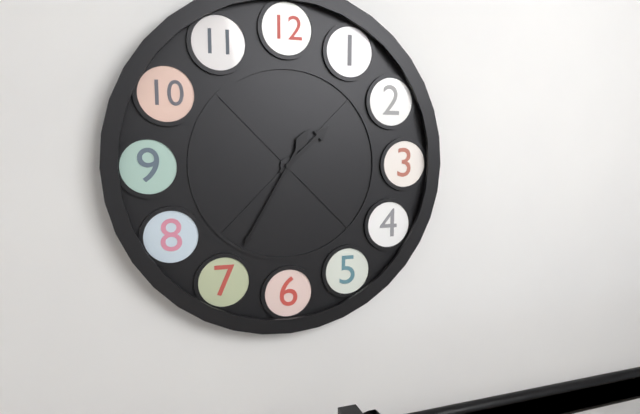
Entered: {"hour": 1, "minute": 35}
